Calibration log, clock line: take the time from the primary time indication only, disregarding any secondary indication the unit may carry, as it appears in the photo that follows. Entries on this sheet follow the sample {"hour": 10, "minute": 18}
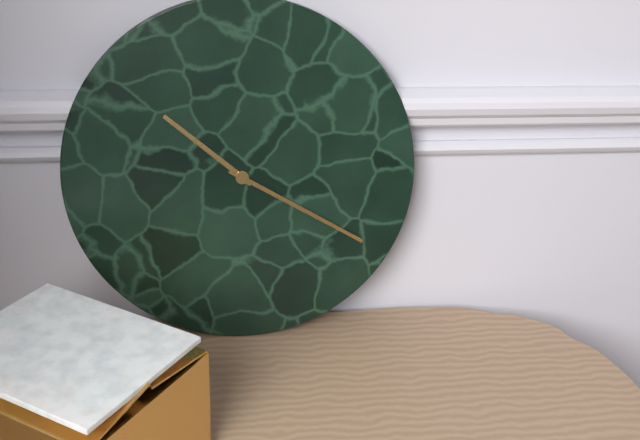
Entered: {"hour": 10, "minute": 20}
